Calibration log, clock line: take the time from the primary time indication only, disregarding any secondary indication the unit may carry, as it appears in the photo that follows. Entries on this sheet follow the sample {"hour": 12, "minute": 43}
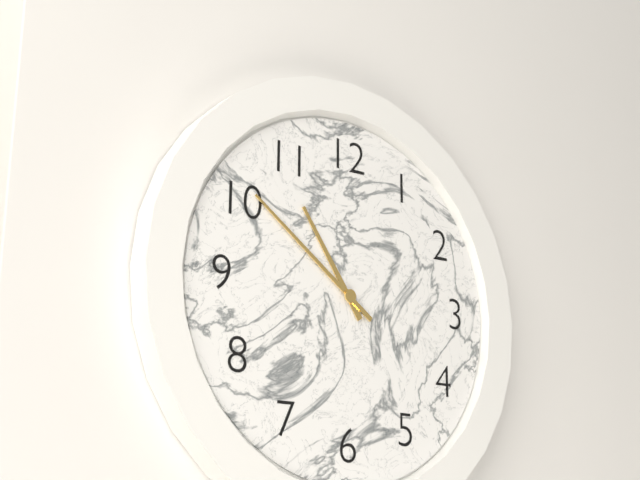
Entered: {"hour": 10, "minute": 51}
